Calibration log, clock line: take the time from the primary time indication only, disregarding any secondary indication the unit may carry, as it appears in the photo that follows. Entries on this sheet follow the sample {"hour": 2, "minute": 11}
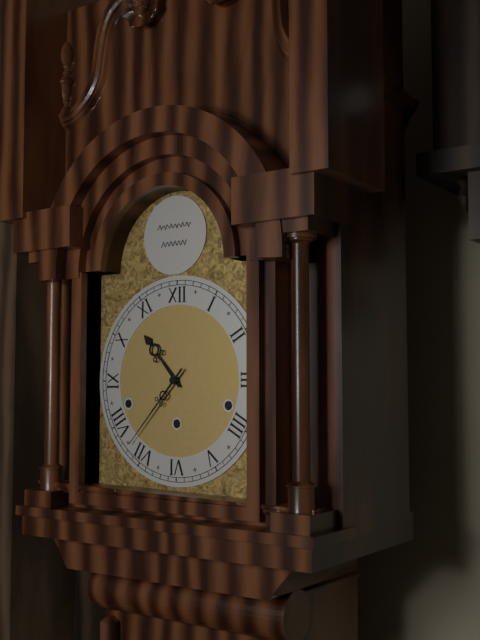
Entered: {"hour": 10, "minute": 37}
